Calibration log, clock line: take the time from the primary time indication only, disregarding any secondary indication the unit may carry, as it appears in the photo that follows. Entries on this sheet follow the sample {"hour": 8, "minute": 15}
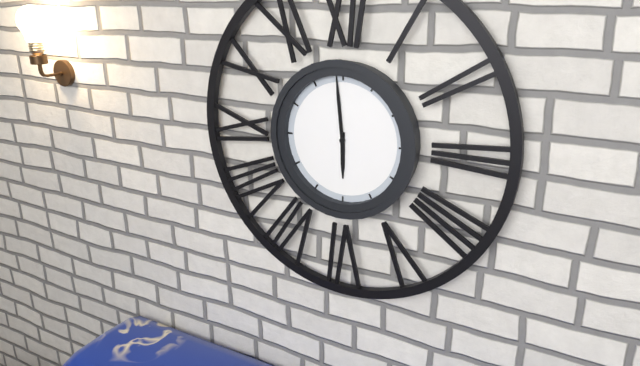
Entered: {"hour": 5, "minute": 59}
